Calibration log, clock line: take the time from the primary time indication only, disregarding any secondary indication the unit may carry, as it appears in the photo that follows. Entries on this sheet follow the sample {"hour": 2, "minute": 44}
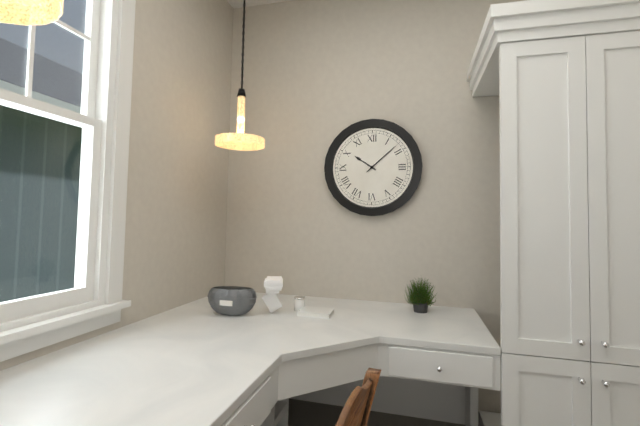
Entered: {"hour": 10, "minute": 8}
